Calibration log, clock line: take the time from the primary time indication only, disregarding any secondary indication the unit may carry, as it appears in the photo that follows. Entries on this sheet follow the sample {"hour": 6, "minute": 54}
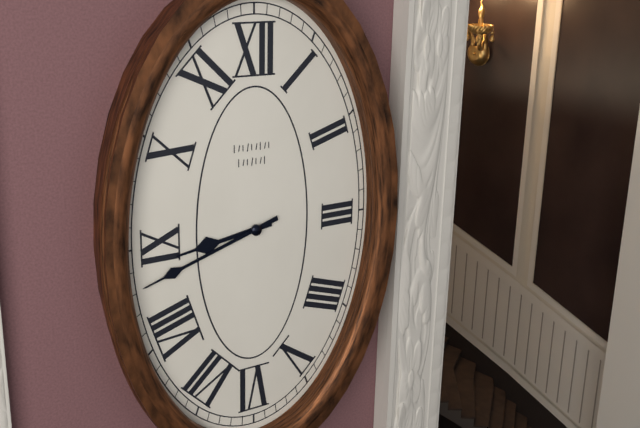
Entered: {"hour": 8, "minute": 42}
